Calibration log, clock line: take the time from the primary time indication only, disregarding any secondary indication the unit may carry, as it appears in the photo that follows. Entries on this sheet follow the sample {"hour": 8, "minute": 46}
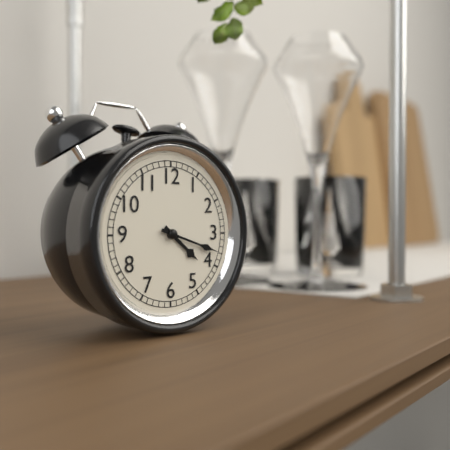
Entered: {"hour": 4, "minute": 18}
